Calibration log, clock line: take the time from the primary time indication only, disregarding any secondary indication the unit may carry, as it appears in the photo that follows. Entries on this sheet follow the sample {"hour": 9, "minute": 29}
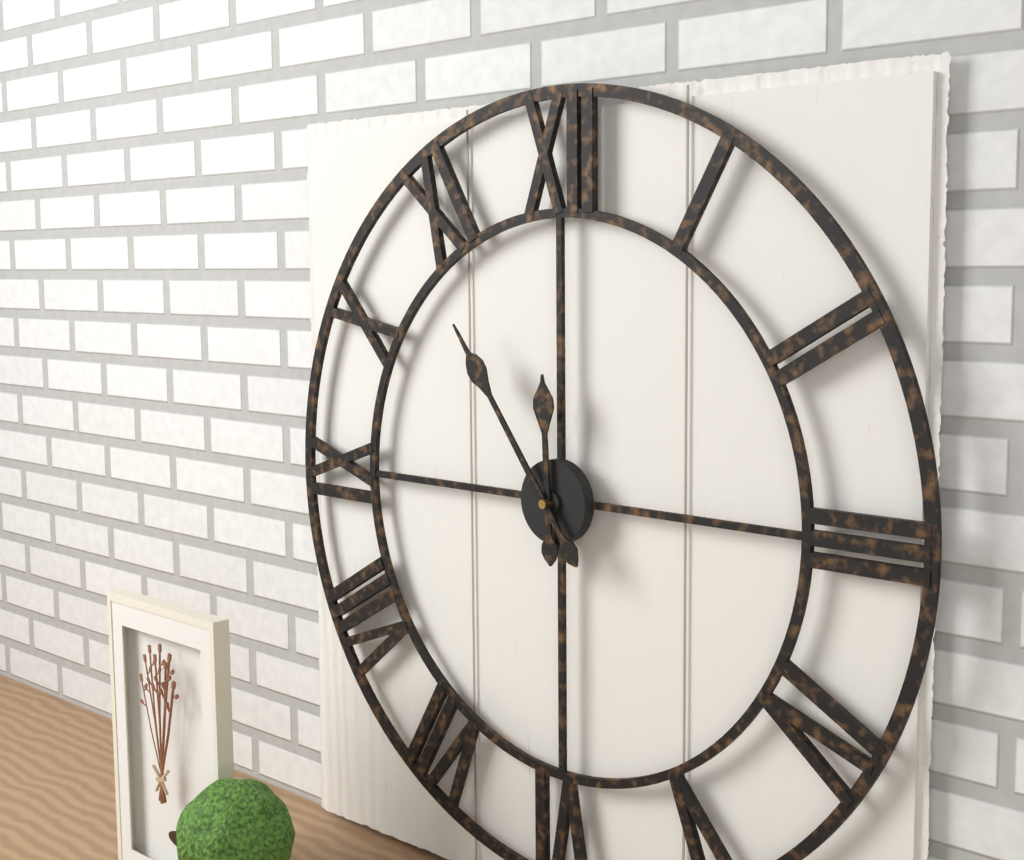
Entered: {"hour": 11, "minute": 54}
